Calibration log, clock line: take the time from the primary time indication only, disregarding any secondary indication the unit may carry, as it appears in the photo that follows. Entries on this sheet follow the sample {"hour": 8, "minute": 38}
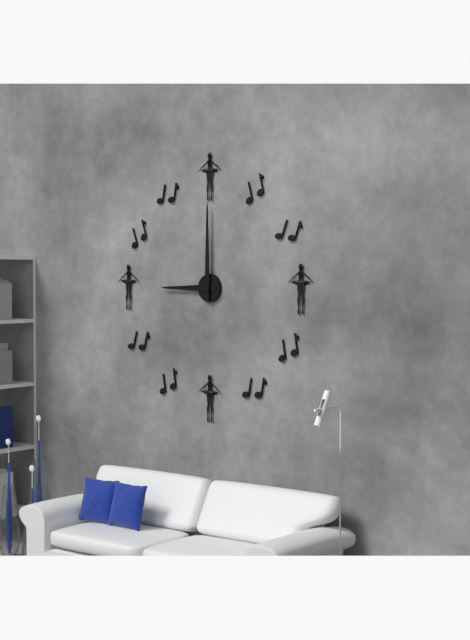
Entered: {"hour": 9, "minute": 0}
